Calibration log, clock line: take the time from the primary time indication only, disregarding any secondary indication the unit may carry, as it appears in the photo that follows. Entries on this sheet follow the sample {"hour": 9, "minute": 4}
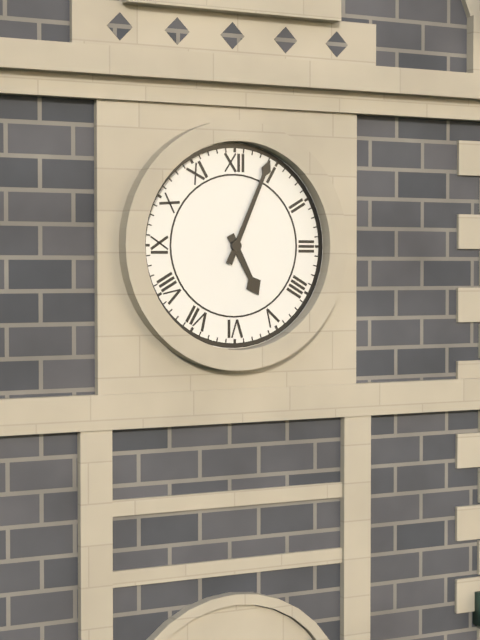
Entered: {"hour": 5, "minute": 4}
